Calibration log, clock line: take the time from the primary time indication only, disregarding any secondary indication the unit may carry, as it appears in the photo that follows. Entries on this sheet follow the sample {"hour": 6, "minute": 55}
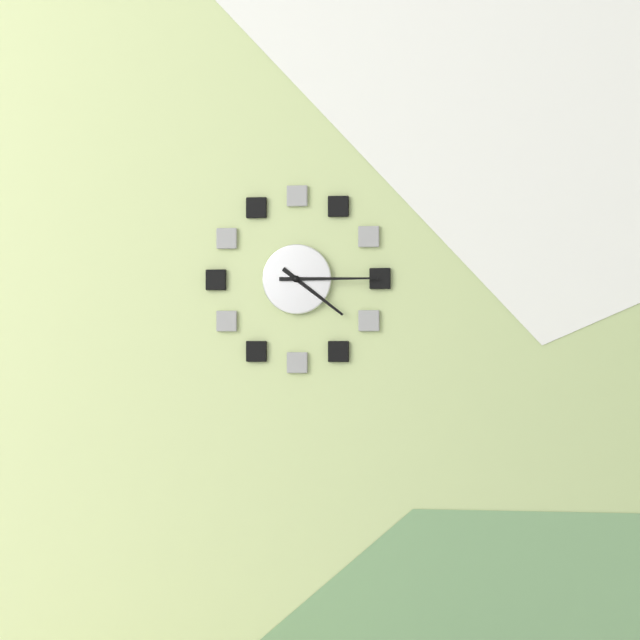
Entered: {"hour": 4, "minute": 15}
